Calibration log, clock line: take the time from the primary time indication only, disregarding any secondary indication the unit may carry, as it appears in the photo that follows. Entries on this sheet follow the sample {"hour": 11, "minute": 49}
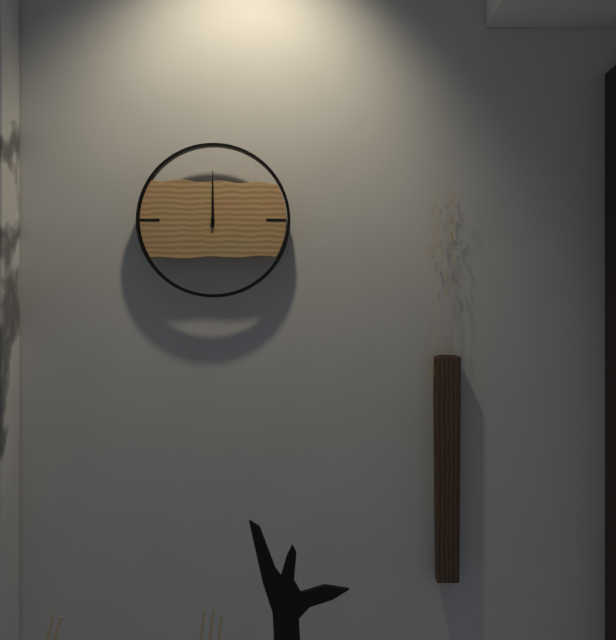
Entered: {"hour": 12, "minute": 0}
